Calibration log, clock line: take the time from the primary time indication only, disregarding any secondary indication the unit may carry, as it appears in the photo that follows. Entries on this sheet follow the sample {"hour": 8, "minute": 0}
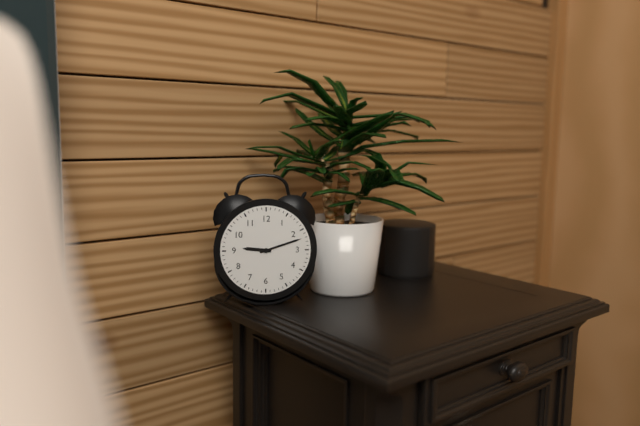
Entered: {"hour": 9, "minute": 12}
